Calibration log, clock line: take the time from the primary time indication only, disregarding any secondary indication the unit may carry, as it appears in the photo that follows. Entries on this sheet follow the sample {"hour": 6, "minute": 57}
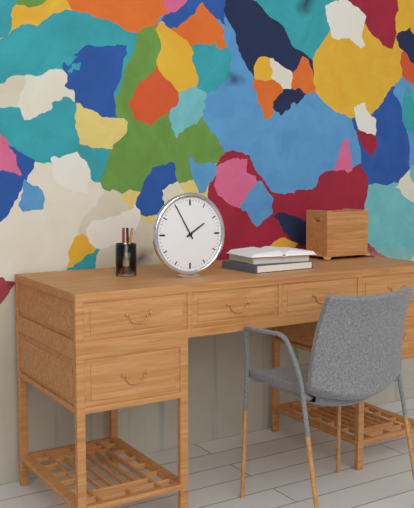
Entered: {"hour": 1, "minute": 55}
